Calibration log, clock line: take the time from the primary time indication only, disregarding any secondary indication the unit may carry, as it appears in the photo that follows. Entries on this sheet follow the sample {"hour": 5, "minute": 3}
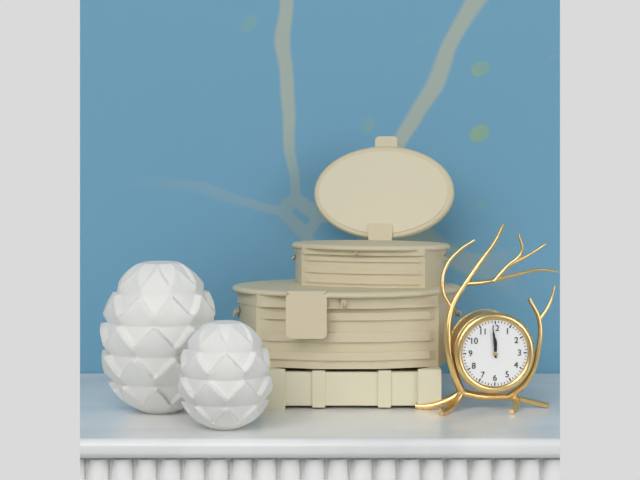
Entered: {"hour": 11, "minute": 59}
